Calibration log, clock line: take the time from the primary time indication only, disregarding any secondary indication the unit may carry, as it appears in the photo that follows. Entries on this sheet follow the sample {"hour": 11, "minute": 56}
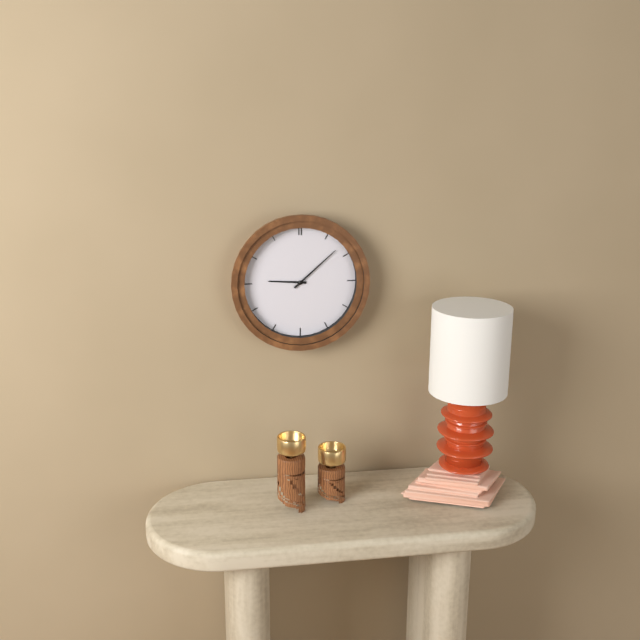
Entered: {"hour": 9, "minute": 8}
